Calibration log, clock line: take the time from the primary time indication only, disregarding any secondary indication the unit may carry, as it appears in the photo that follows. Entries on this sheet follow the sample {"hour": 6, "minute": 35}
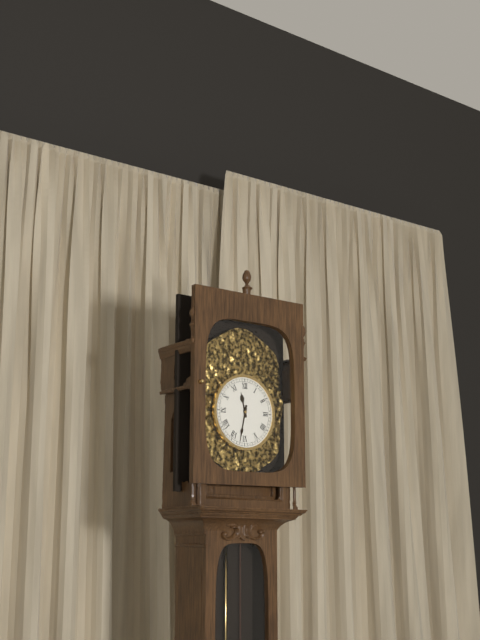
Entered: {"hour": 11, "minute": 32}
